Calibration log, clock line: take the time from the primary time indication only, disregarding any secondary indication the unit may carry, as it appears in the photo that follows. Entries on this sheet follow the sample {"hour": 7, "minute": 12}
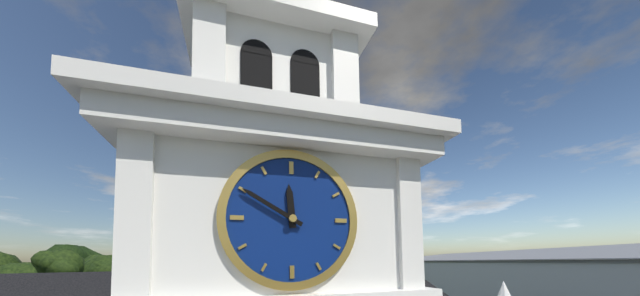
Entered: {"hour": 11, "minute": 50}
